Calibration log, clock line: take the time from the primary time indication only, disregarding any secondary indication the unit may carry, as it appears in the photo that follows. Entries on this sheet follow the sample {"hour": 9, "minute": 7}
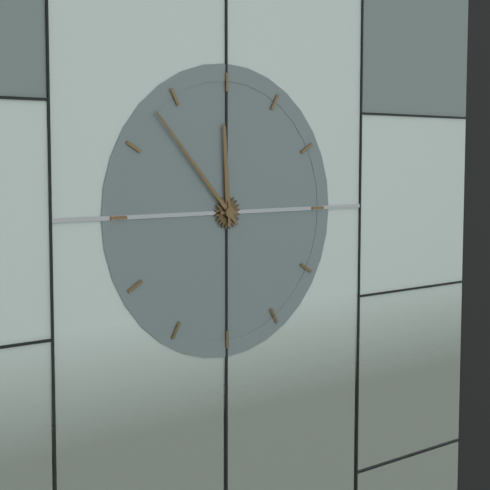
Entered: {"hour": 11, "minute": 53}
